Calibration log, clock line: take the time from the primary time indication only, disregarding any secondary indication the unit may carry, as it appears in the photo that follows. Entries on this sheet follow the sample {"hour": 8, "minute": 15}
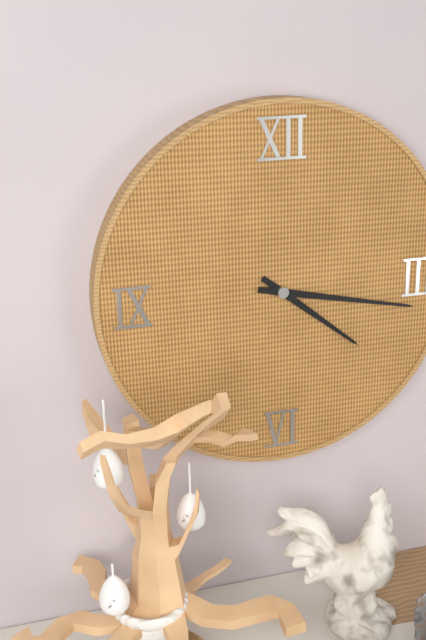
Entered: {"hour": 4, "minute": 17}
